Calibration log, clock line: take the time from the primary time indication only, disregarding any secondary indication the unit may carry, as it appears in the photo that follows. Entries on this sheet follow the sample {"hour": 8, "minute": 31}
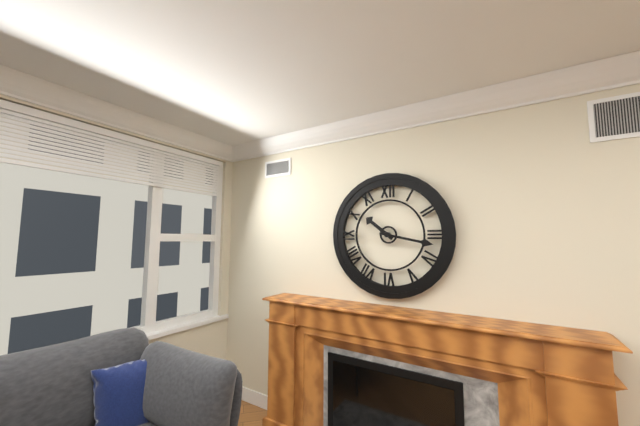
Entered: {"hour": 10, "minute": 17}
